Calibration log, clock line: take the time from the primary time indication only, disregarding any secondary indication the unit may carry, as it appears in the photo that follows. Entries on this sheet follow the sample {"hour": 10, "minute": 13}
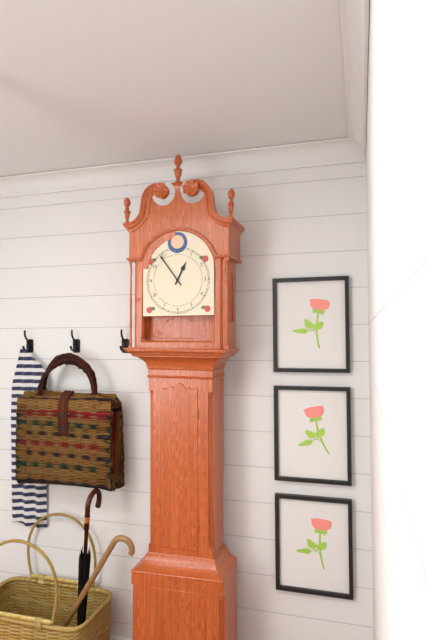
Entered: {"hour": 12, "minute": 54}
